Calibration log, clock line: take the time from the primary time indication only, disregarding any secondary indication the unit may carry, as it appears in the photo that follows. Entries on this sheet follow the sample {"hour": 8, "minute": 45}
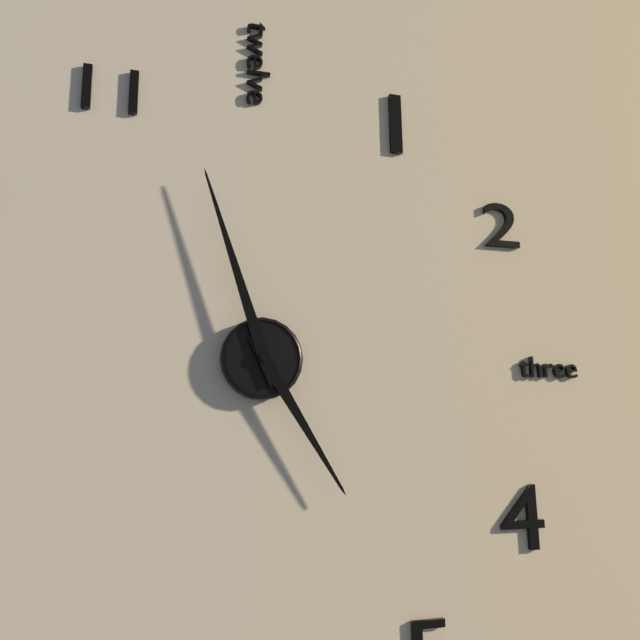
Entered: {"hour": 4, "minute": 57}
